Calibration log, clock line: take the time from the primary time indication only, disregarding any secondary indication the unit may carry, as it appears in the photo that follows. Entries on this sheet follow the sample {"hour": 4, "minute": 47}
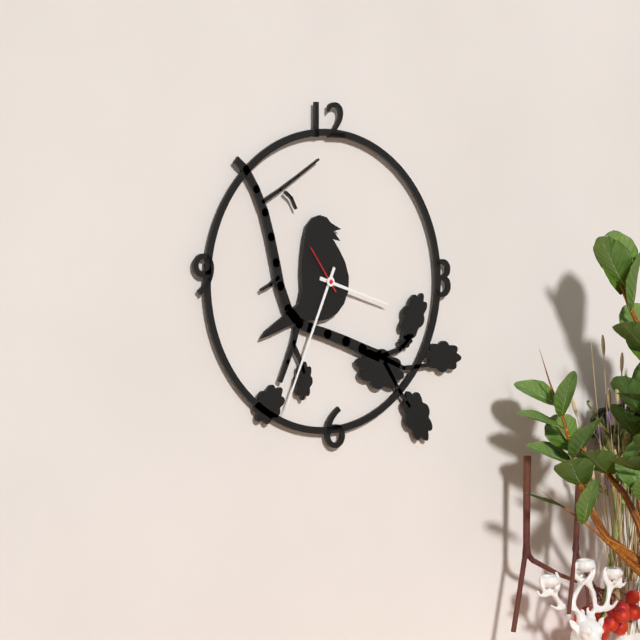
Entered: {"hour": 3, "minute": 34}
